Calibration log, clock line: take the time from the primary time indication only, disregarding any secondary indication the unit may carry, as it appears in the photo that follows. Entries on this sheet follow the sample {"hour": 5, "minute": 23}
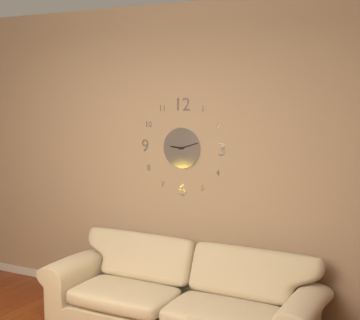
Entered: {"hour": 9, "minute": 12}
